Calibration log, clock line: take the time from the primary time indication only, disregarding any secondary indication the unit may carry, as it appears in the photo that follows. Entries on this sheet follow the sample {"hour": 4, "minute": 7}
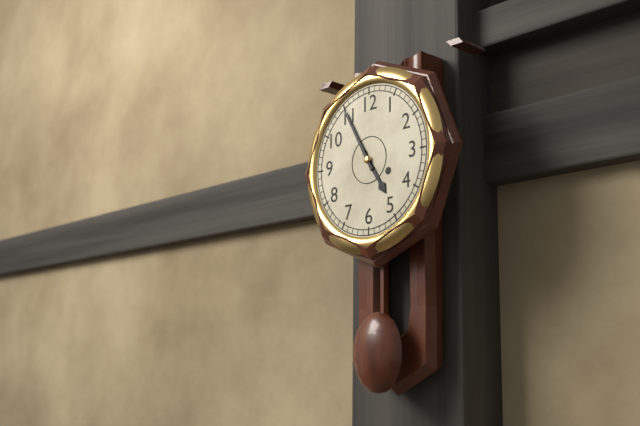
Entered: {"hour": 4, "minute": 55}
